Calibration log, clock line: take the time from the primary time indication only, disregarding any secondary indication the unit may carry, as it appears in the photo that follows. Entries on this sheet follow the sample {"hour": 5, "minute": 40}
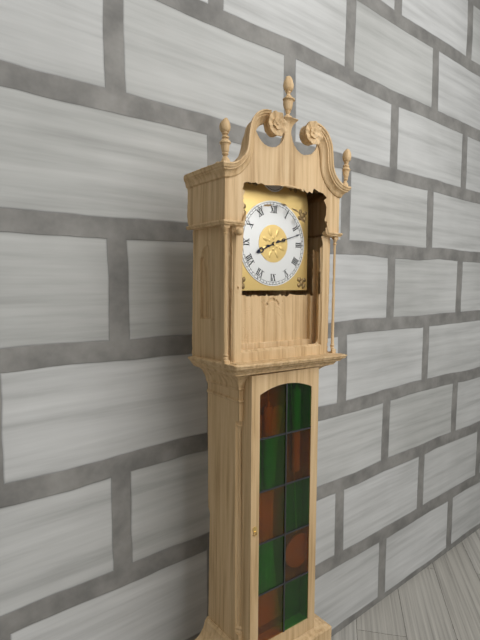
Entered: {"hour": 8, "minute": 12}
